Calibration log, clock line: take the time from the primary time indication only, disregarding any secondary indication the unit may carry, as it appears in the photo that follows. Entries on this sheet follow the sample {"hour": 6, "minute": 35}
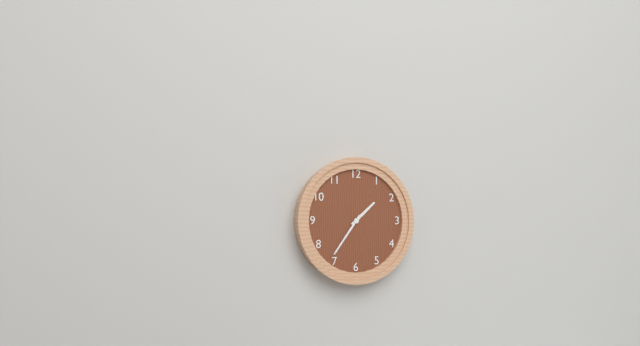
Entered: {"hour": 1, "minute": 36}
